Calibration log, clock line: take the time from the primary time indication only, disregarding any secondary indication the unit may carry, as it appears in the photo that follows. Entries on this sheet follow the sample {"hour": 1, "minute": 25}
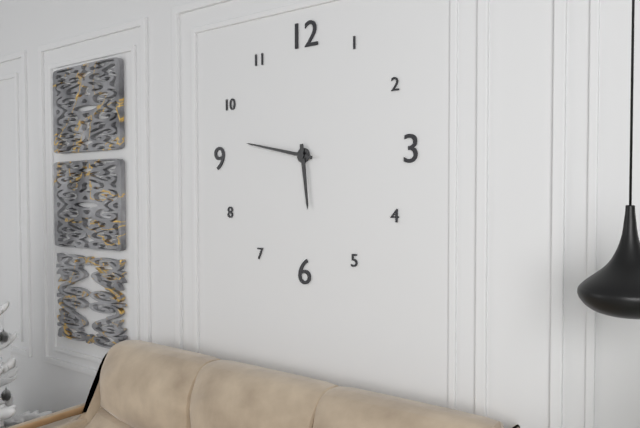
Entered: {"hour": 5, "minute": 47}
